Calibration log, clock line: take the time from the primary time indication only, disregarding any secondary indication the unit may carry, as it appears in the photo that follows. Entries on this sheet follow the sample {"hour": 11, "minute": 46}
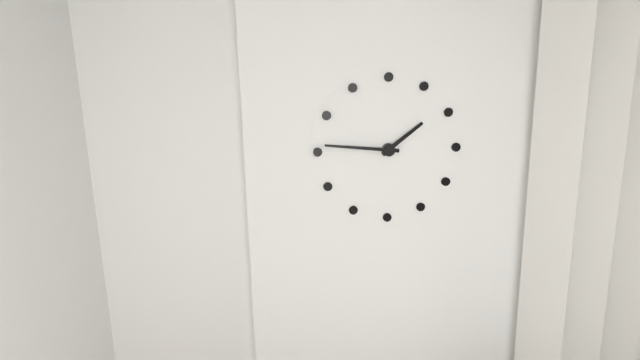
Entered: {"hour": 1, "minute": 46}
